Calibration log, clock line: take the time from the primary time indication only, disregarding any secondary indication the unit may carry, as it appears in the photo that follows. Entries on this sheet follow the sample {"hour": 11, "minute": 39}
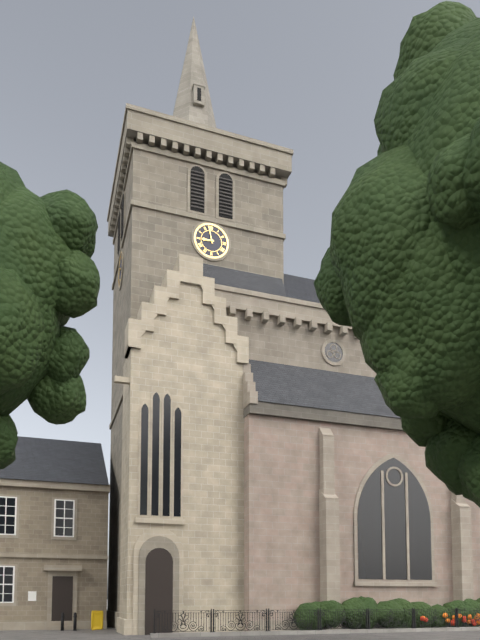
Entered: {"hour": 8, "minute": 58}
